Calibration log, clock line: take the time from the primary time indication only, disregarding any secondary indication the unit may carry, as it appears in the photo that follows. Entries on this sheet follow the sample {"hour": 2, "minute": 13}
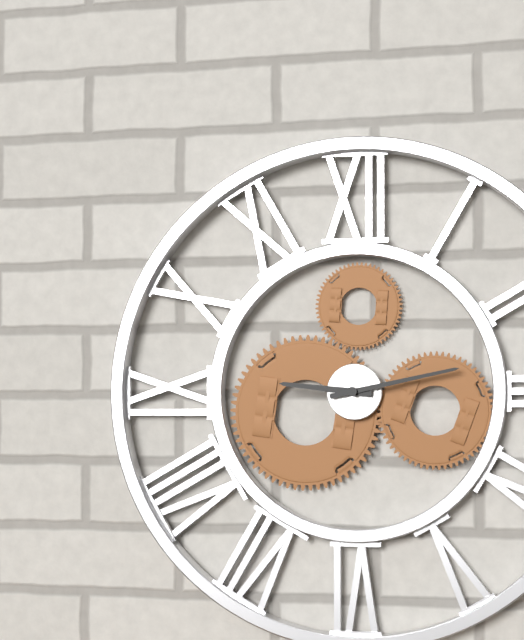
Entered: {"hour": 9, "minute": 13}
